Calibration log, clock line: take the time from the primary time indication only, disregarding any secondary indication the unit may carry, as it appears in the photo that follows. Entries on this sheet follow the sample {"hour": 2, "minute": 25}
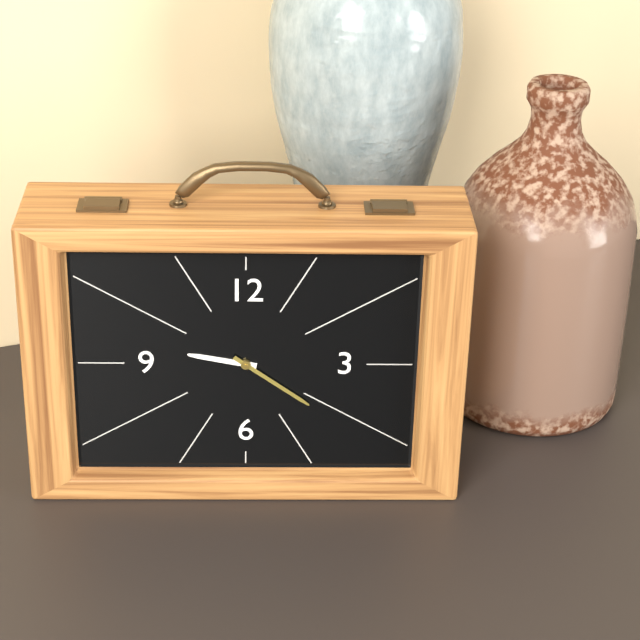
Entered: {"hour": 9, "minute": 21}
